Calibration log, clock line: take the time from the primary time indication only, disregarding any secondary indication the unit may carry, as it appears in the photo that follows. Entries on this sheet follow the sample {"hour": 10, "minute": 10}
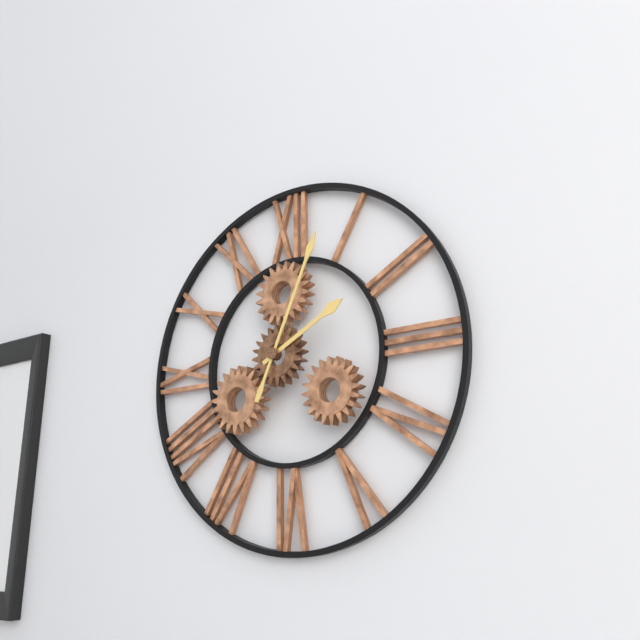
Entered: {"hour": 2, "minute": 4}
